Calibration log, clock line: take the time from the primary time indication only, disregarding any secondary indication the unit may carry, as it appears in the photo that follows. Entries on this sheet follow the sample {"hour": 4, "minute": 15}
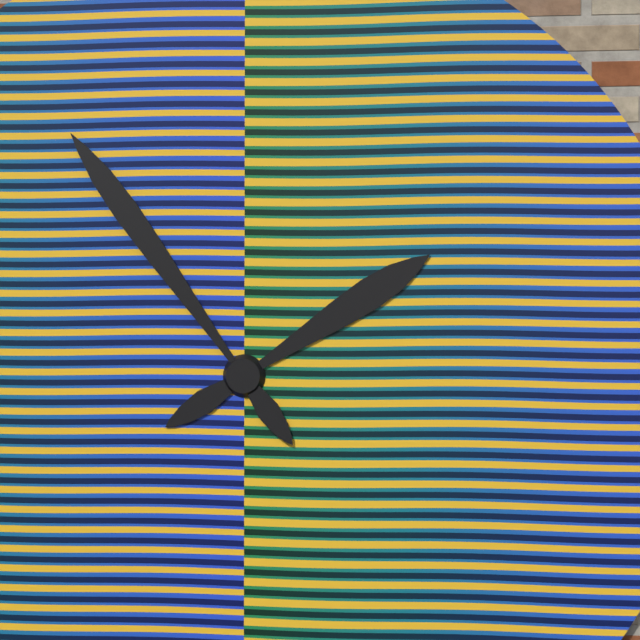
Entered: {"hour": 1, "minute": 54}
